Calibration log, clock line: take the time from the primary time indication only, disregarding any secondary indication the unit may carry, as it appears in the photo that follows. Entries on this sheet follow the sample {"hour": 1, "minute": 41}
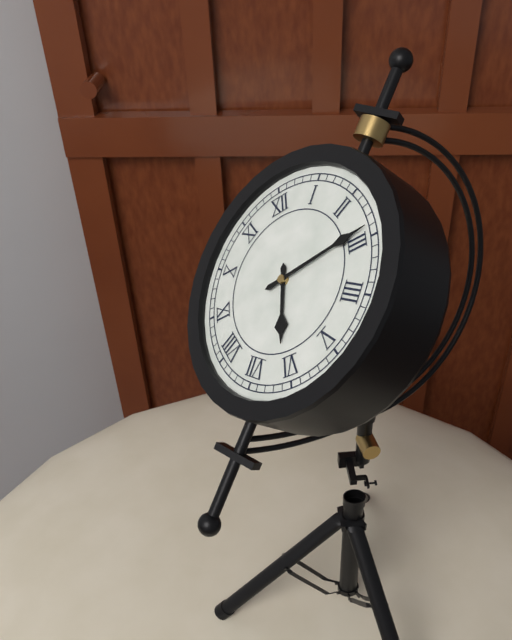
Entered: {"hour": 6, "minute": 14}
